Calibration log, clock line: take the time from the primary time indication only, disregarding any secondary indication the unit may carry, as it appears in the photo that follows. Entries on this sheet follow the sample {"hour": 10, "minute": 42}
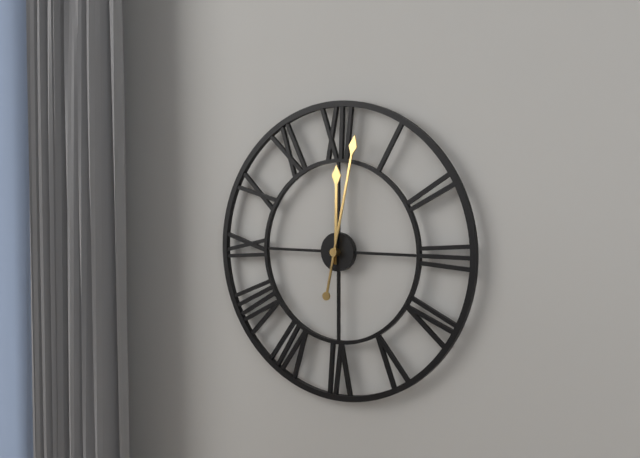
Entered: {"hour": 12, "minute": 2}
